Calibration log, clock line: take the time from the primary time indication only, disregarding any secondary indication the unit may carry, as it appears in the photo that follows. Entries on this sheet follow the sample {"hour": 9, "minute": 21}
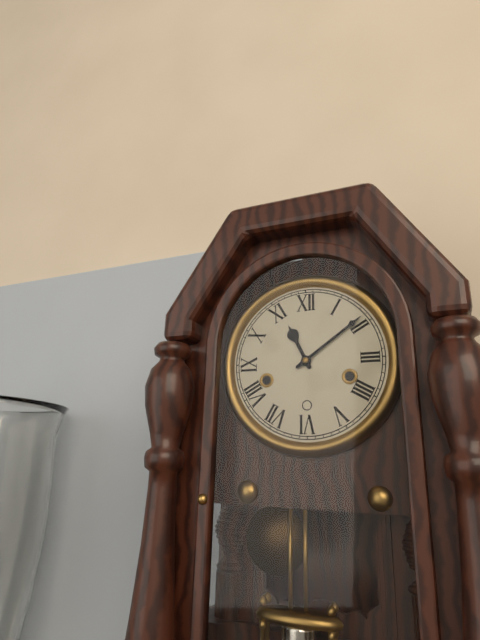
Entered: {"hour": 11, "minute": 9}
